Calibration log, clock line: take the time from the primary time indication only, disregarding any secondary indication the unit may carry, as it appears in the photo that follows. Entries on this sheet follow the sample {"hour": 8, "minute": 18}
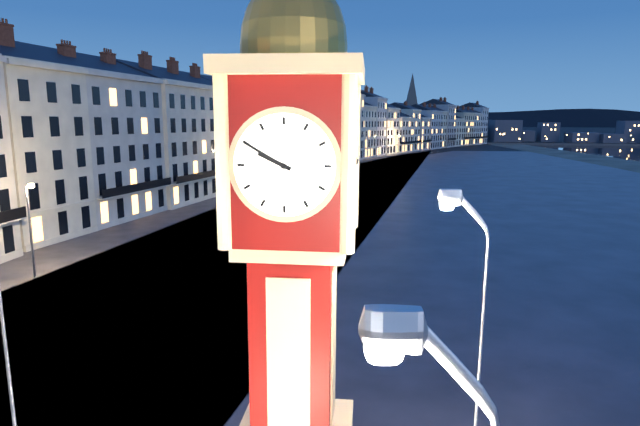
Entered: {"hour": 9, "minute": 50}
